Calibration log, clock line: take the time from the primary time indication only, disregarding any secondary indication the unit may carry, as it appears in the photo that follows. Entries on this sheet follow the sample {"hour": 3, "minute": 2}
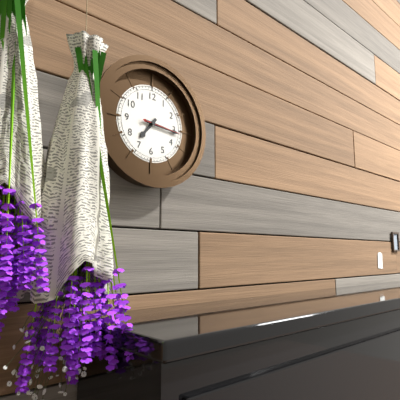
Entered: {"hour": 7, "minute": 16}
